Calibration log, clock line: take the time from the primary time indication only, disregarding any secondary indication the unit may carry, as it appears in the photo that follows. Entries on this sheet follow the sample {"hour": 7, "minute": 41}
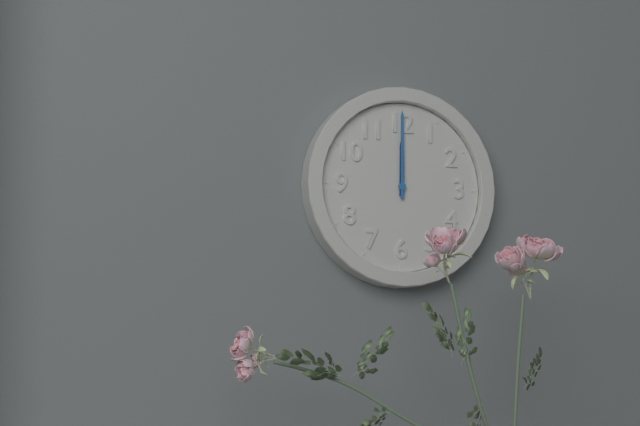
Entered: {"hour": 12, "minute": 0}
